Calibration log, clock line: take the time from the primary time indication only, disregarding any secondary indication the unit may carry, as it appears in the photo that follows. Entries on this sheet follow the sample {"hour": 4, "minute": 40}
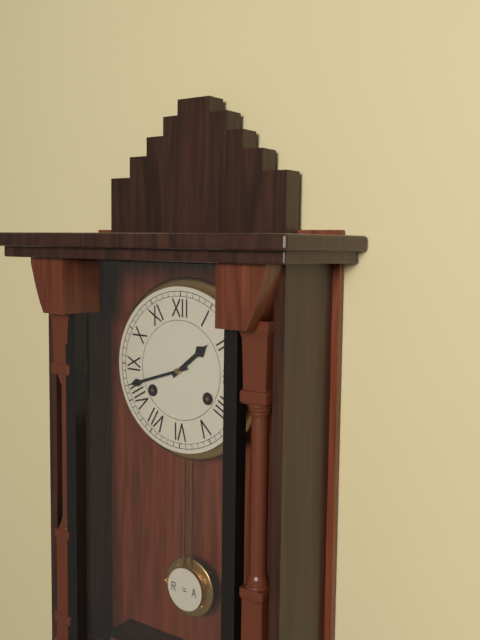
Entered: {"hour": 1, "minute": 42}
